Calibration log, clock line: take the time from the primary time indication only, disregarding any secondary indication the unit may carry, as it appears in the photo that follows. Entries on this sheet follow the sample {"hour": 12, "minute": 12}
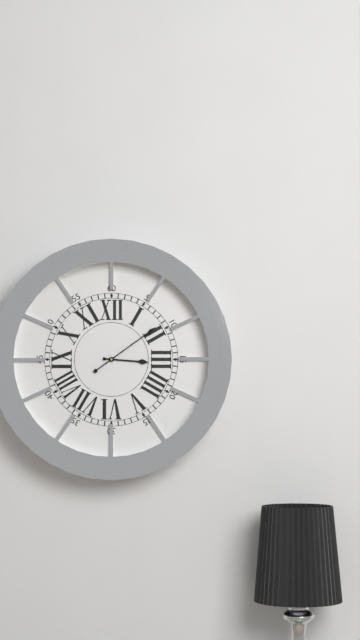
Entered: {"hour": 3, "minute": 9}
